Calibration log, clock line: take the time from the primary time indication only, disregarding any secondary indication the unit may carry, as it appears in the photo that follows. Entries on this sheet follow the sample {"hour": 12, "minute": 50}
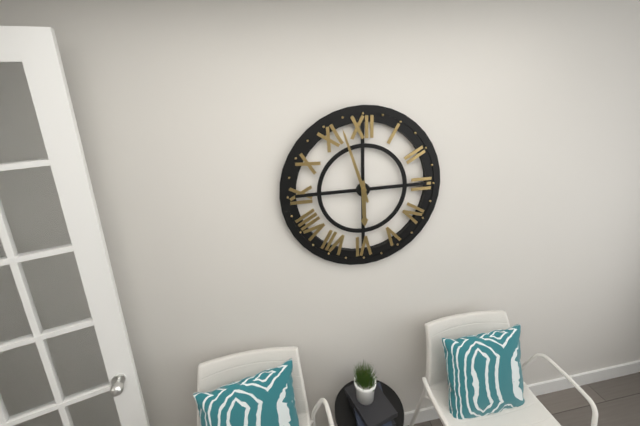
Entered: {"hour": 5, "minute": 57}
